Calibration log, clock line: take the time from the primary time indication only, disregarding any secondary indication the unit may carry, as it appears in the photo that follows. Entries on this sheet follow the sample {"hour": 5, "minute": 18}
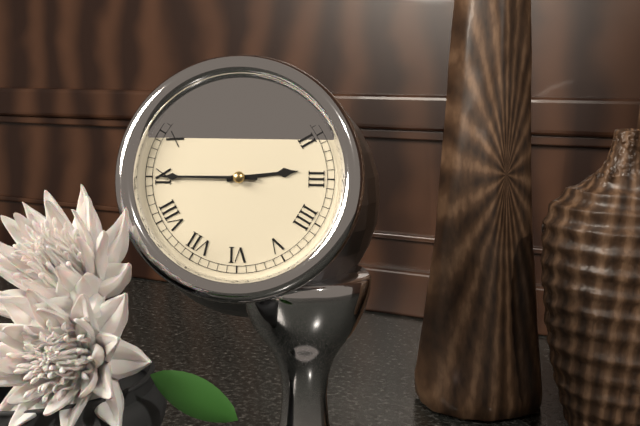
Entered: {"hour": 2, "minute": 45}
